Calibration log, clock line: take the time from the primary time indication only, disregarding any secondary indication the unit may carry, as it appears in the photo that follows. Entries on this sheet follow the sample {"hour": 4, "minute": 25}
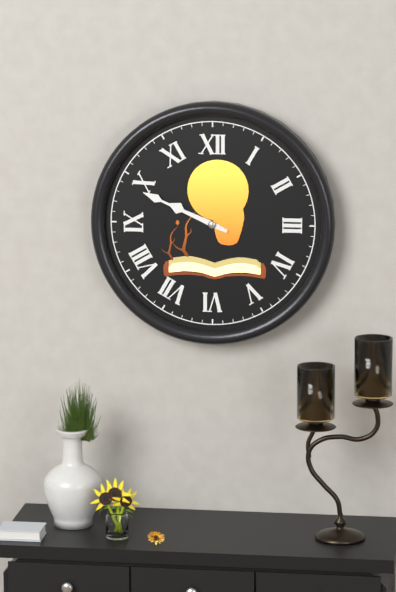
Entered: {"hour": 9, "minute": 49}
